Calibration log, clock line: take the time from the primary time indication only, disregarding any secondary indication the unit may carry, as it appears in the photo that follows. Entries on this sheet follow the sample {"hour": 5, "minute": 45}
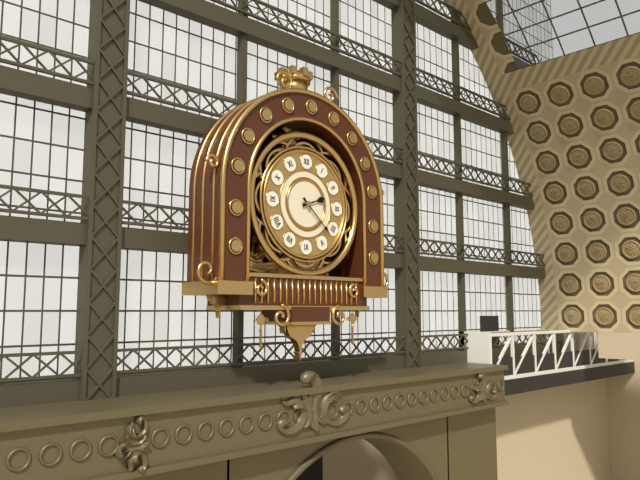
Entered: {"hour": 2, "minute": 22}
